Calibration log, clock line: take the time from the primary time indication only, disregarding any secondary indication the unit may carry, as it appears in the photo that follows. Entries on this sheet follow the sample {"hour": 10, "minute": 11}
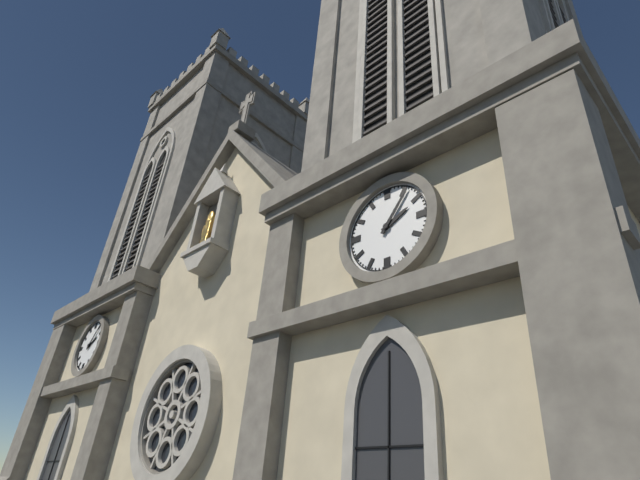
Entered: {"hour": 2, "minute": 6}
